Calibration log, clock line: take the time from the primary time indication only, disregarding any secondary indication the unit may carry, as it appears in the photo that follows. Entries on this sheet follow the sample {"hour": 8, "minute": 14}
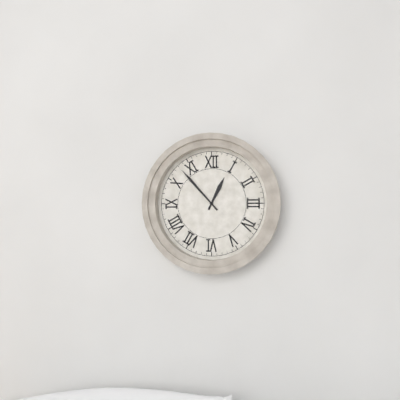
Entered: {"hour": 12, "minute": 53}
